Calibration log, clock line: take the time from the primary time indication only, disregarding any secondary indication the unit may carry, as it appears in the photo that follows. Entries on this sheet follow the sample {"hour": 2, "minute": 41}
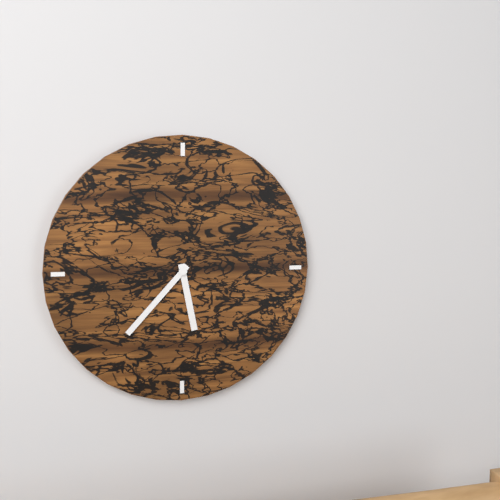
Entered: {"hour": 5, "minute": 37}
